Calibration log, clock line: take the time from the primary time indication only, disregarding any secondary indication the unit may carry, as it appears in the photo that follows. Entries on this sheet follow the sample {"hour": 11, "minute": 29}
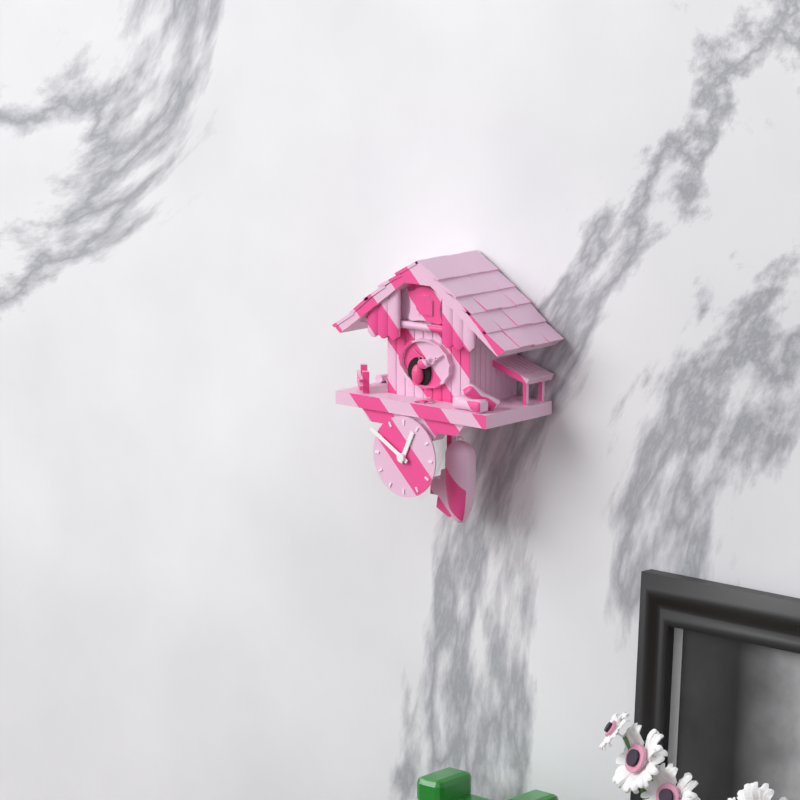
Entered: {"hour": 12, "minute": 50}
